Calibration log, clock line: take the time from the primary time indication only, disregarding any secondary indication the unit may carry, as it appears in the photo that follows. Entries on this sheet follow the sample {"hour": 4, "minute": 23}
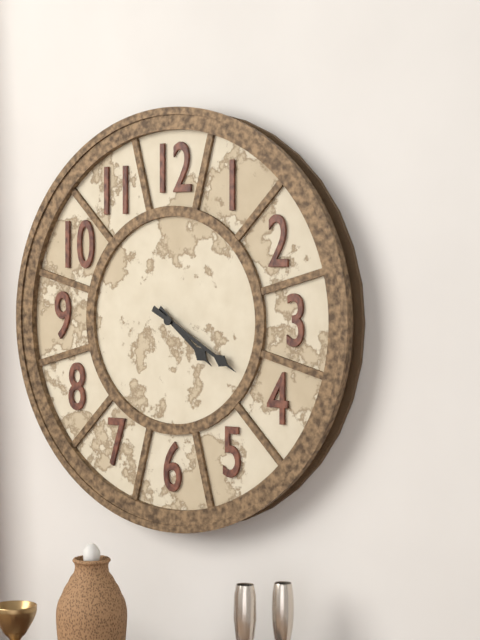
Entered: {"hour": 4, "minute": 20}
